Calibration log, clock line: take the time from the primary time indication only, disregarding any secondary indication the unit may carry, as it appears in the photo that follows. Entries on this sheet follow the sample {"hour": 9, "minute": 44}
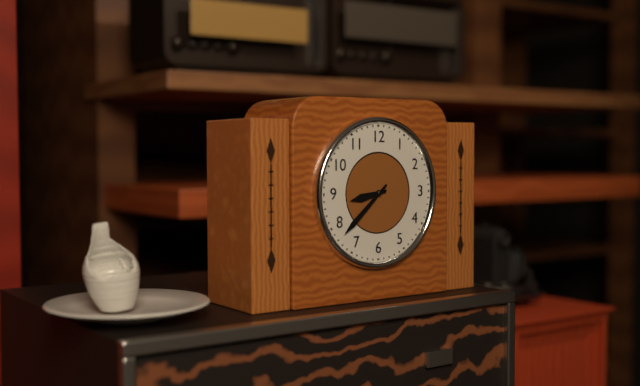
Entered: {"hour": 8, "minute": 38}
